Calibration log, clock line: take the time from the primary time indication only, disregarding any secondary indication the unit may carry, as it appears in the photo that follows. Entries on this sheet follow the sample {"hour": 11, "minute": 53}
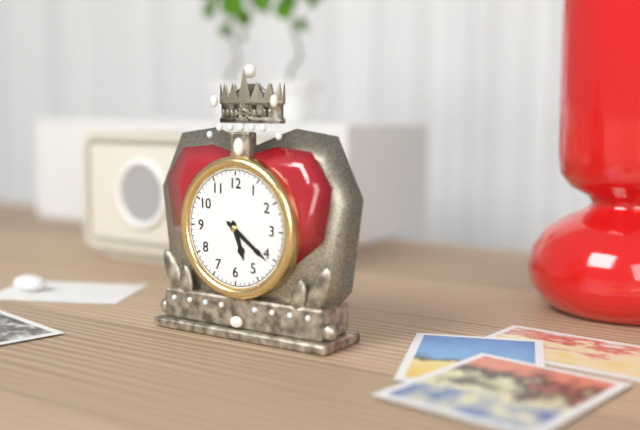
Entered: {"hour": 5, "minute": 21}
